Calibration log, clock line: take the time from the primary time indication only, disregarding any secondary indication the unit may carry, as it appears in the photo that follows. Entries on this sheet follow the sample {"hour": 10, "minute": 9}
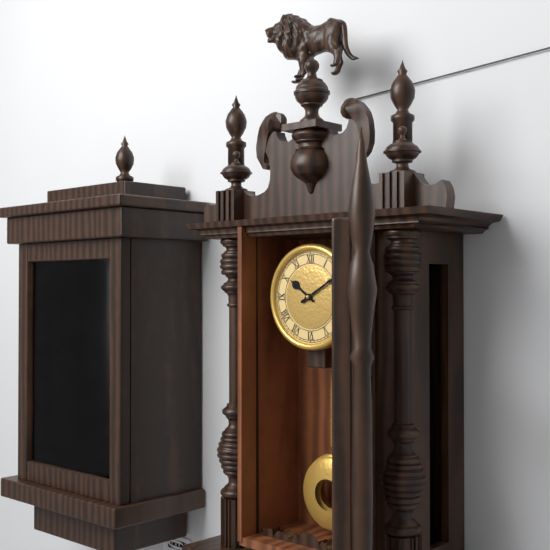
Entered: {"hour": 10, "minute": 10}
